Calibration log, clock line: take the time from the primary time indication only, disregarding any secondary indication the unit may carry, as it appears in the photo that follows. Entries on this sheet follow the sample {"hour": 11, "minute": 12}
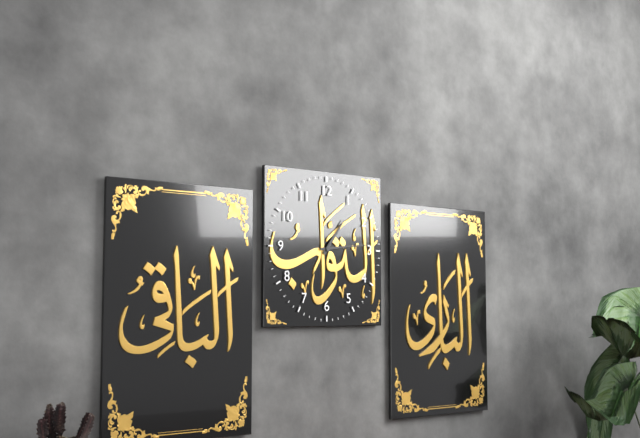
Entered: {"hour": 1, "minute": 14}
